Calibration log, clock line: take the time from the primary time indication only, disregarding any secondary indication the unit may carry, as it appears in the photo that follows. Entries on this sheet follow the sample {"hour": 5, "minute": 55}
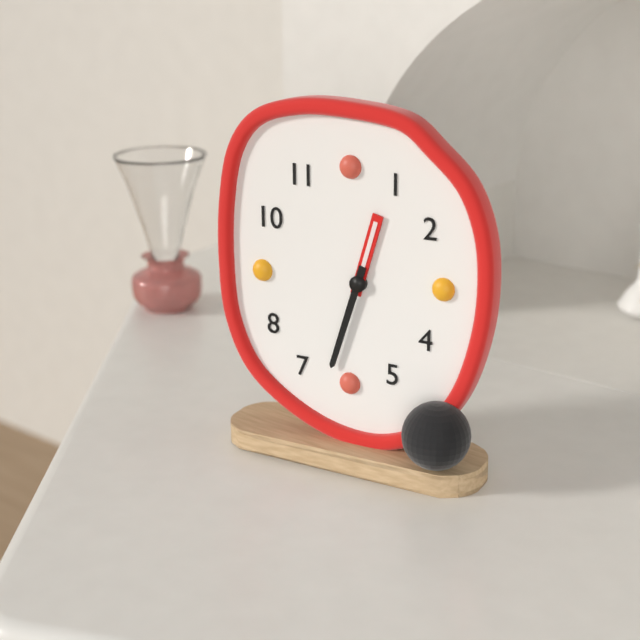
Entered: {"hour": 12, "minute": 33}
